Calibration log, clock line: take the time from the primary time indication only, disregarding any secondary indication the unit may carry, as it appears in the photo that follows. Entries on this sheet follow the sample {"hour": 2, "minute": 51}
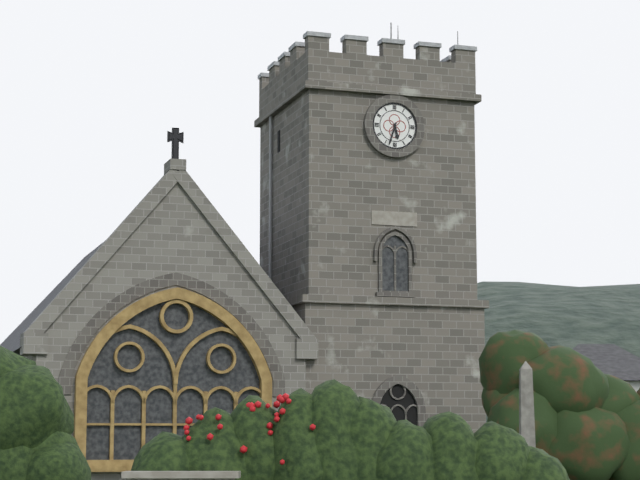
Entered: {"hour": 5, "minute": 33}
